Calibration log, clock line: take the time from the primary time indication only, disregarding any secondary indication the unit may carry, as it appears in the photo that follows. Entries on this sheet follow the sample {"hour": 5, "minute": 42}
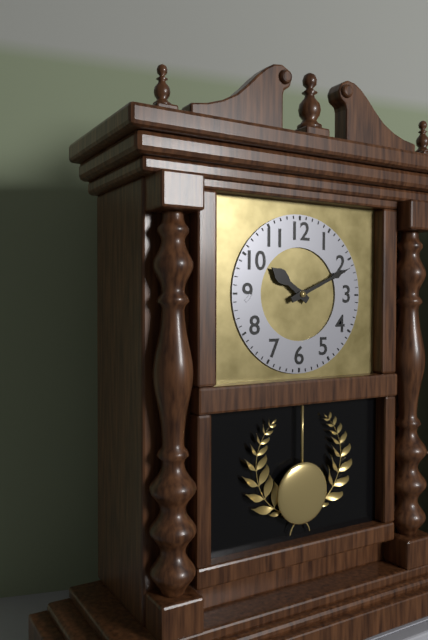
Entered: {"hour": 10, "minute": 11}
